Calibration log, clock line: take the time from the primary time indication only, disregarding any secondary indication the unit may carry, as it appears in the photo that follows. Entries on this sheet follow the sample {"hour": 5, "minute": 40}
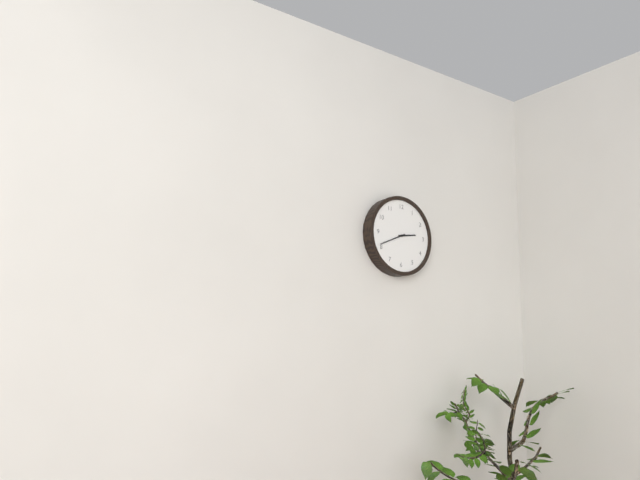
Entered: {"hour": 2, "minute": 41}
